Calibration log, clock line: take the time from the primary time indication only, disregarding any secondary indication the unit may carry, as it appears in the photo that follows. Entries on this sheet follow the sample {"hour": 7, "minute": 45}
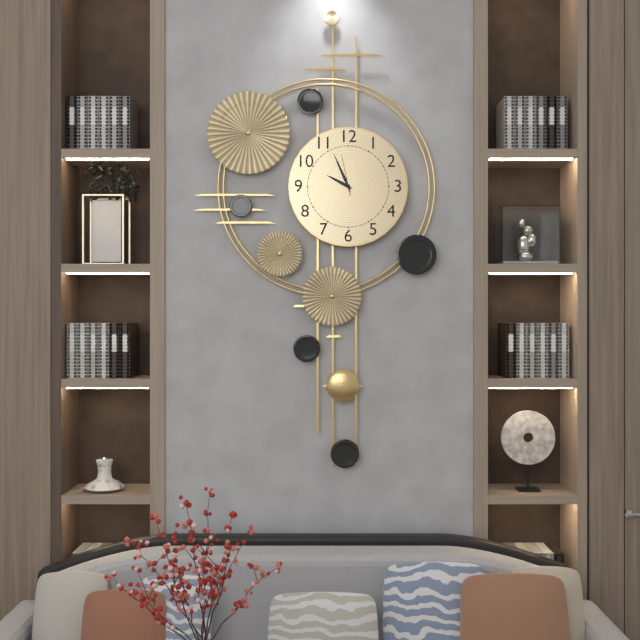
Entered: {"hour": 9, "minute": 56}
